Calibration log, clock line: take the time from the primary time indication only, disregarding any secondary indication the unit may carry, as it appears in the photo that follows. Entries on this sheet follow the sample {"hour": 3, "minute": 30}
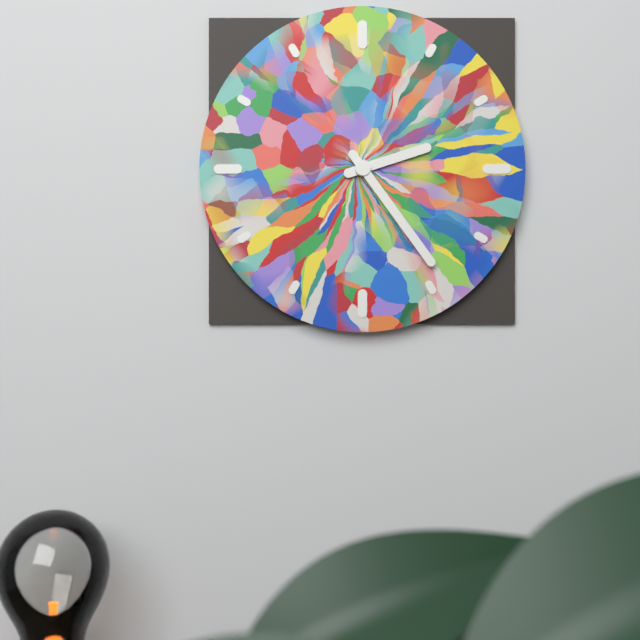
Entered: {"hour": 2, "minute": 24}
